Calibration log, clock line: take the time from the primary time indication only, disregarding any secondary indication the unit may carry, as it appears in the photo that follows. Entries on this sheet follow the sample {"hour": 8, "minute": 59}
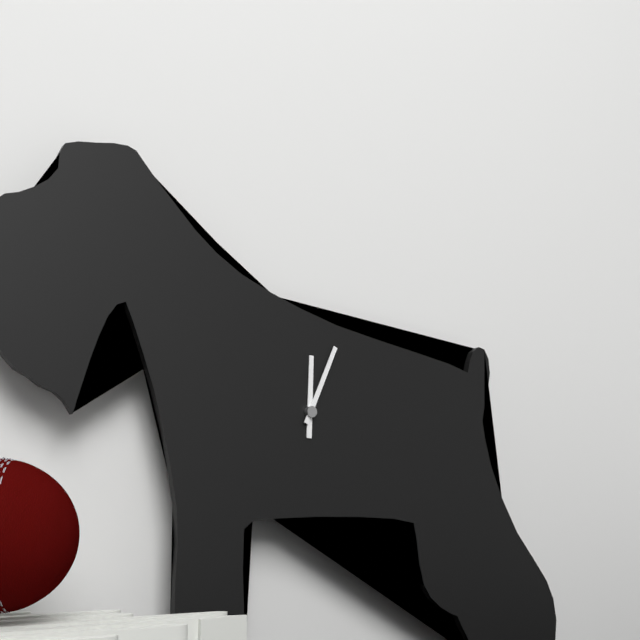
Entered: {"hour": 12, "minute": 4}
